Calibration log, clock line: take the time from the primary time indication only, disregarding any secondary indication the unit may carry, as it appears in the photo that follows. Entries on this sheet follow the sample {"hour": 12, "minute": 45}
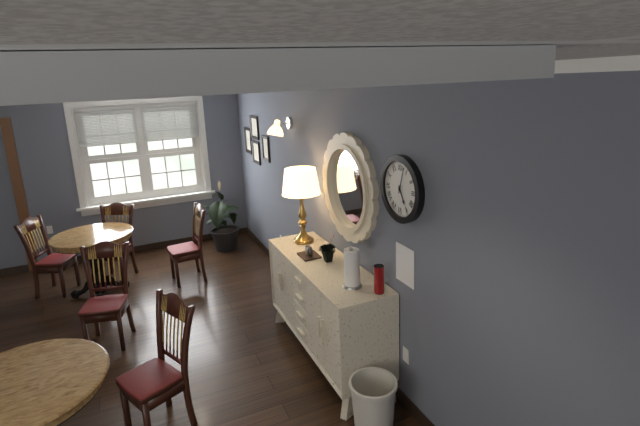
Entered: {"hour": 5, "minute": 3}
